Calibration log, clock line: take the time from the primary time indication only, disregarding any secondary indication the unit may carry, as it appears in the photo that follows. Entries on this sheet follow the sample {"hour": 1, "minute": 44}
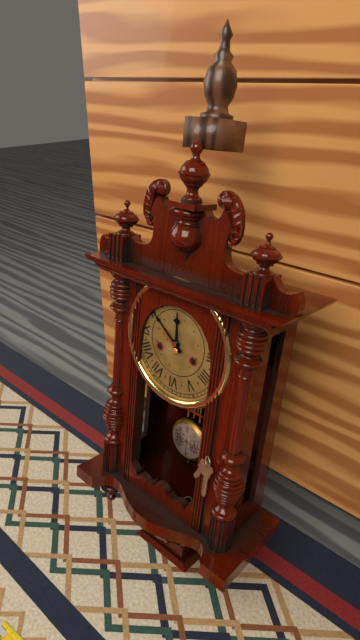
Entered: {"hour": 11, "minute": 51}
